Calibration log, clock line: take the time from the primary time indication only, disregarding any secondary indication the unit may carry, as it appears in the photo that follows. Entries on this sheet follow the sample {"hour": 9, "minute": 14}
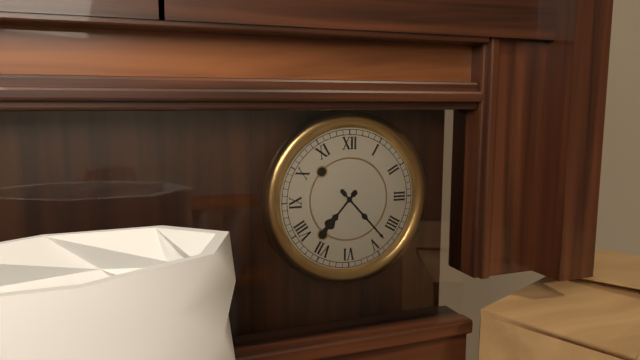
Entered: {"hour": 7, "minute": 23}
